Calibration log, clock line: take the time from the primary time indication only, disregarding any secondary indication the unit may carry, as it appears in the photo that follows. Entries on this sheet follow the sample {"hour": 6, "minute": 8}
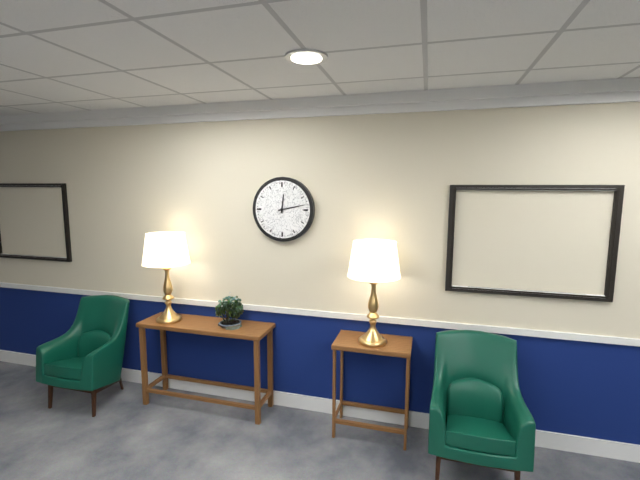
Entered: {"hour": 12, "minute": 13}
